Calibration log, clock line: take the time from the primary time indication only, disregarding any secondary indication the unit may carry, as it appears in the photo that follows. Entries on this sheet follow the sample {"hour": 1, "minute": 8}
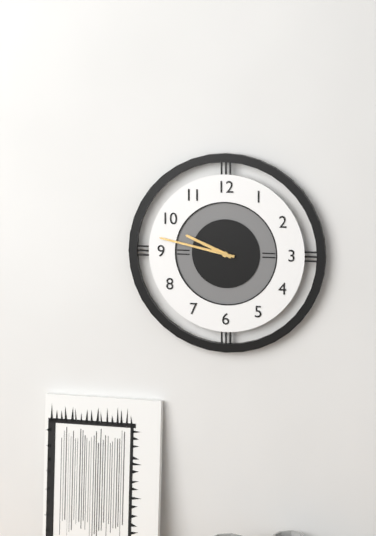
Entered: {"hour": 9, "minute": 47}
